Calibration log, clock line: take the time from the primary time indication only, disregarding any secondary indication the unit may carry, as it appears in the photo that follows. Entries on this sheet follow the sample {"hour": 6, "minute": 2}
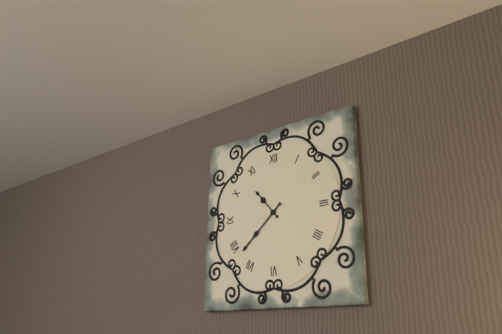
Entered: {"hour": 10, "minute": 38}
